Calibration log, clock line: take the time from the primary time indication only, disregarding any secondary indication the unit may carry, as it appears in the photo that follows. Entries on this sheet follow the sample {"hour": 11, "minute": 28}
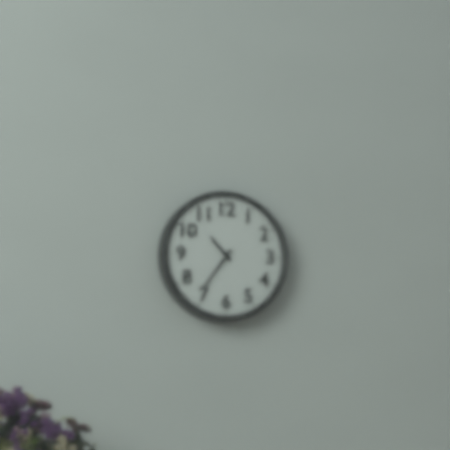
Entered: {"hour": 10, "minute": 36}
